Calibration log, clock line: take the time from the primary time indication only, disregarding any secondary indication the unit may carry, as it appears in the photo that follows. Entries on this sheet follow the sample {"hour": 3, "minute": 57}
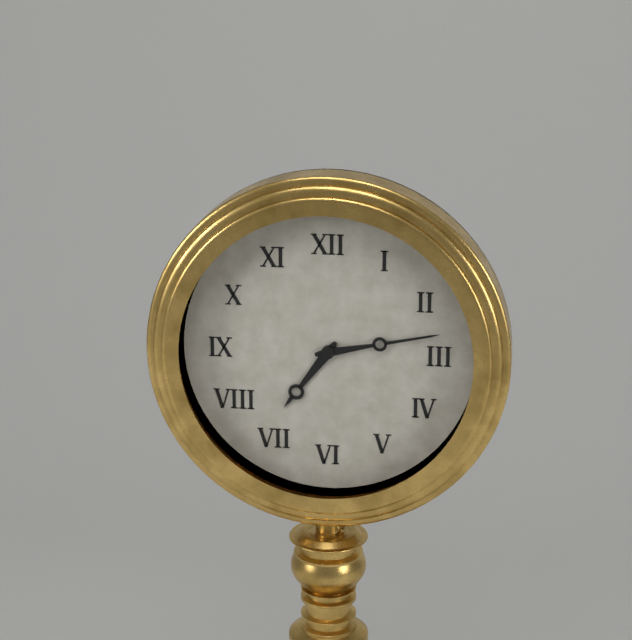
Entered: {"hour": 7, "minute": 13}
